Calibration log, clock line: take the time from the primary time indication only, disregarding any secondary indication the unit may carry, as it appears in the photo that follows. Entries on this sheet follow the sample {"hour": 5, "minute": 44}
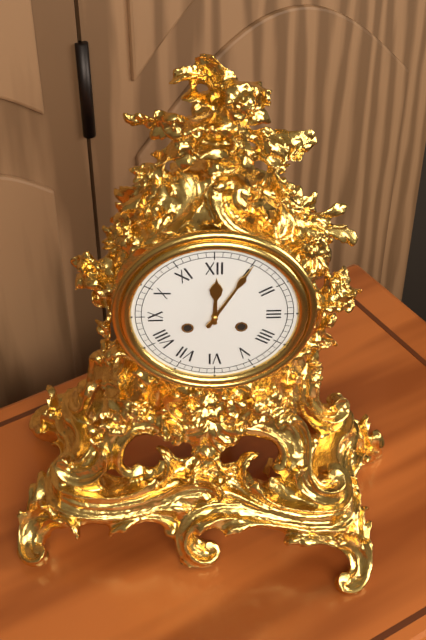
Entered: {"hour": 12, "minute": 5}
